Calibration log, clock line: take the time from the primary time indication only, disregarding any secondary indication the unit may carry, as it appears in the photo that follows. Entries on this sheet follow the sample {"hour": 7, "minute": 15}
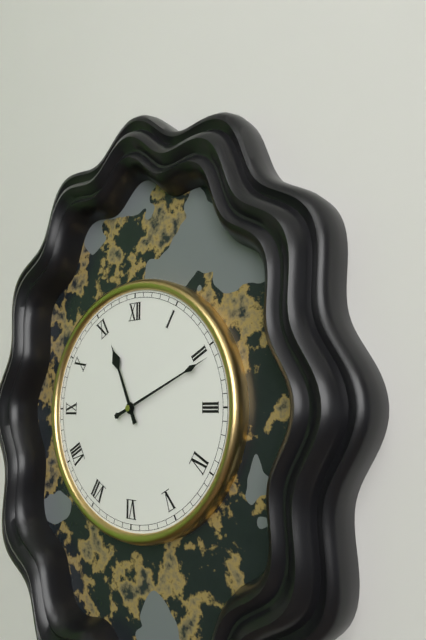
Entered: {"hour": 11, "minute": 11}
